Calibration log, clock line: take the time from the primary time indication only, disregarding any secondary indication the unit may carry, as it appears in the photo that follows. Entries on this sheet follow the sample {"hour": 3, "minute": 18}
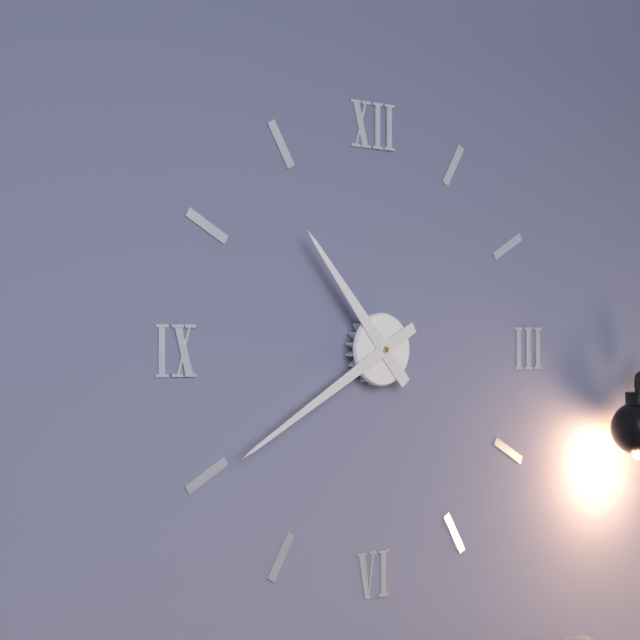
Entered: {"hour": 10, "minute": 40}
